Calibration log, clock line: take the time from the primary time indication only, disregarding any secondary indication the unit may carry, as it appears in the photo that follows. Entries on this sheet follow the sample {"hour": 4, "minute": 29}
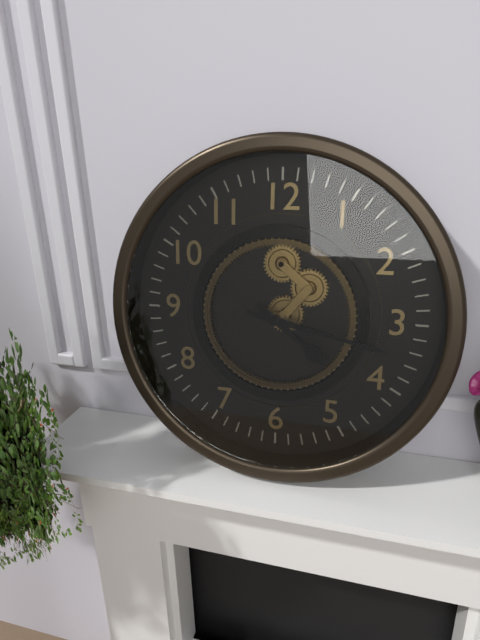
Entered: {"hour": 4, "minute": 17}
